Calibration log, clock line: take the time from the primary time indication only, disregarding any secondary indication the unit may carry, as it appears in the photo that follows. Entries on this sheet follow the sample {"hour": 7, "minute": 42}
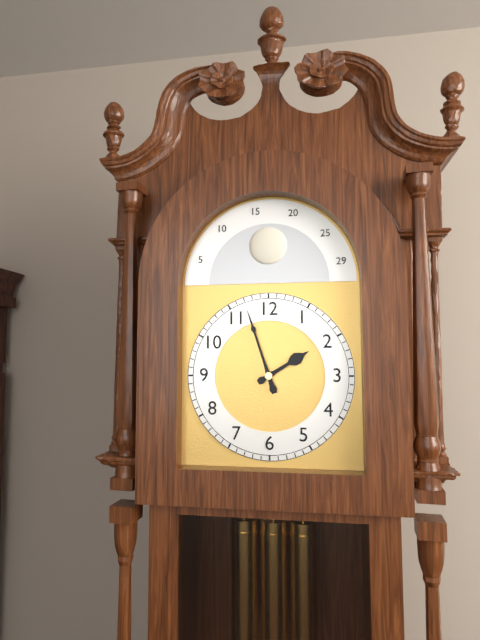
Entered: {"hour": 1, "minute": 57}
